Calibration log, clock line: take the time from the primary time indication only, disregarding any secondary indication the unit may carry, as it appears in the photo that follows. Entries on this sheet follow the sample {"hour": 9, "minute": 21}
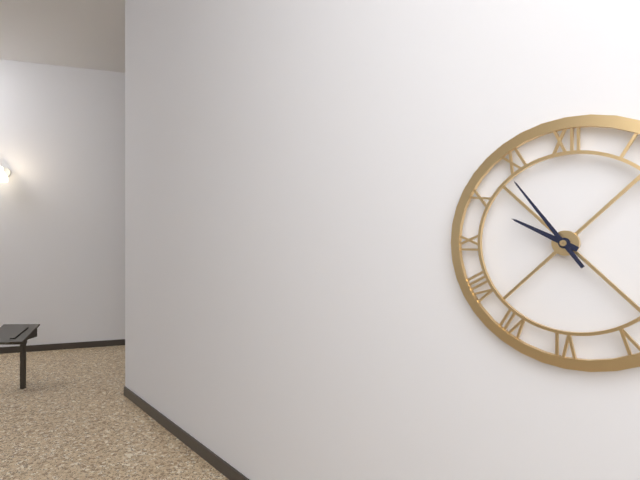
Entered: {"hour": 9, "minute": 54}
